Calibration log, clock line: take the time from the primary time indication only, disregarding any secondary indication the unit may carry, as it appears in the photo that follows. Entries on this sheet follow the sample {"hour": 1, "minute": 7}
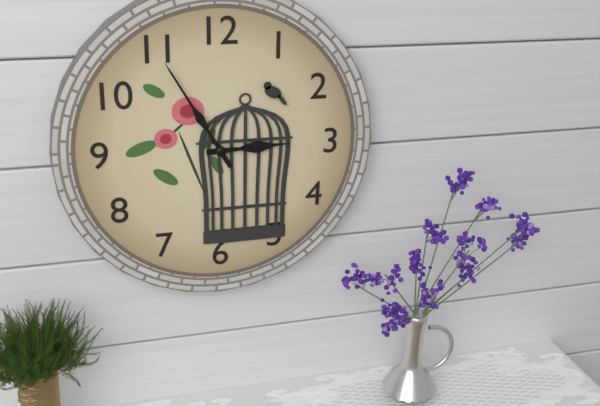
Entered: {"hour": 2, "minute": 55}
